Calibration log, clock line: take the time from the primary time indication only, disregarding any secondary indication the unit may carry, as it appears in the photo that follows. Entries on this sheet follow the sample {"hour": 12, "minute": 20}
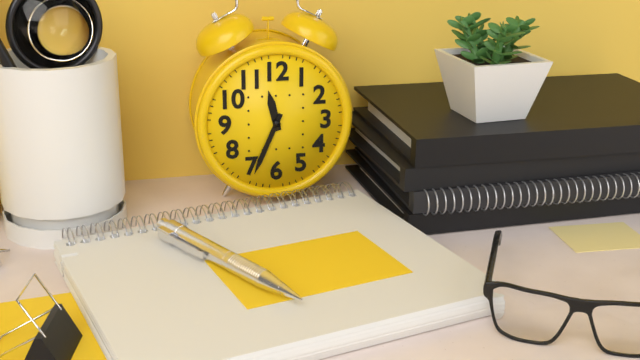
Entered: {"hour": 11, "minute": 34}
